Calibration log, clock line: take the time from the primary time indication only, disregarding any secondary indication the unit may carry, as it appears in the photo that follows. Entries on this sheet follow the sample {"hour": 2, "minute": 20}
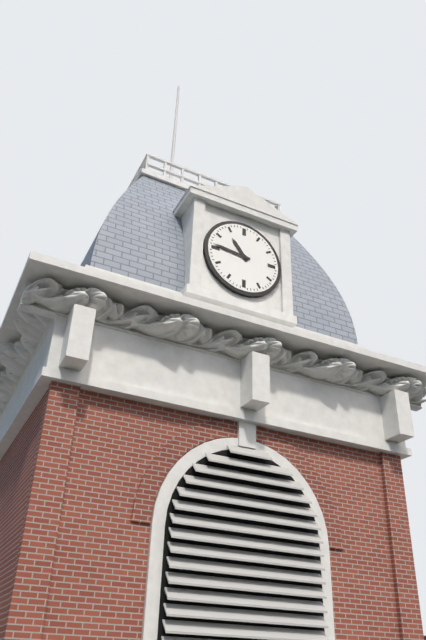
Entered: {"hour": 10, "minute": 46}
